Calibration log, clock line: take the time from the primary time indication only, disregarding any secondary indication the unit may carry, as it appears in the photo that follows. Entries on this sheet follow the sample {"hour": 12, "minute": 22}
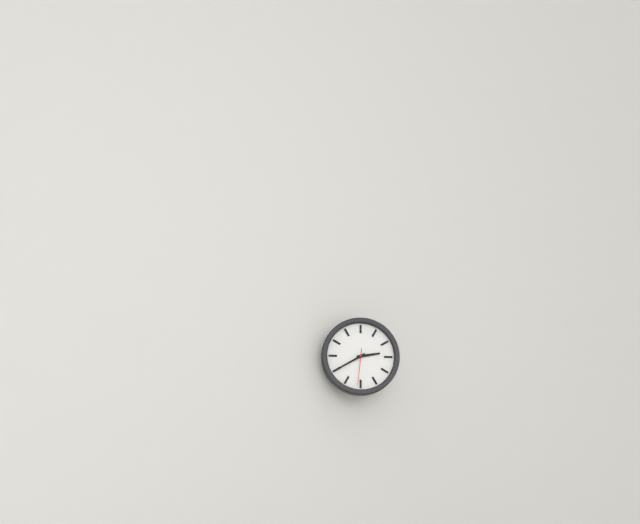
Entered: {"hour": 2, "minute": 40}
